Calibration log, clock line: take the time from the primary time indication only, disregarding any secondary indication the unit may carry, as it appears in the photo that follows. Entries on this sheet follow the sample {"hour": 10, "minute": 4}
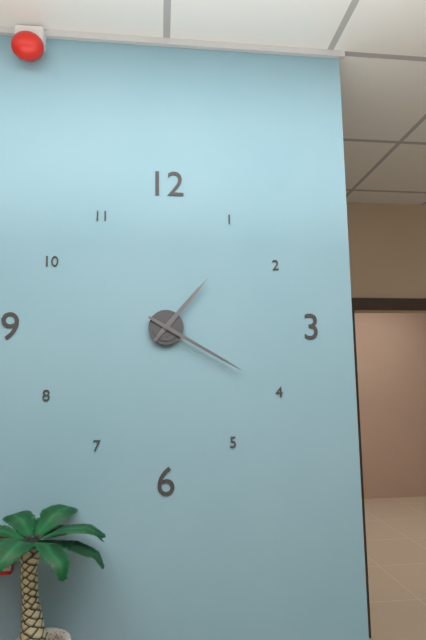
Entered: {"hour": 1, "minute": 20}
